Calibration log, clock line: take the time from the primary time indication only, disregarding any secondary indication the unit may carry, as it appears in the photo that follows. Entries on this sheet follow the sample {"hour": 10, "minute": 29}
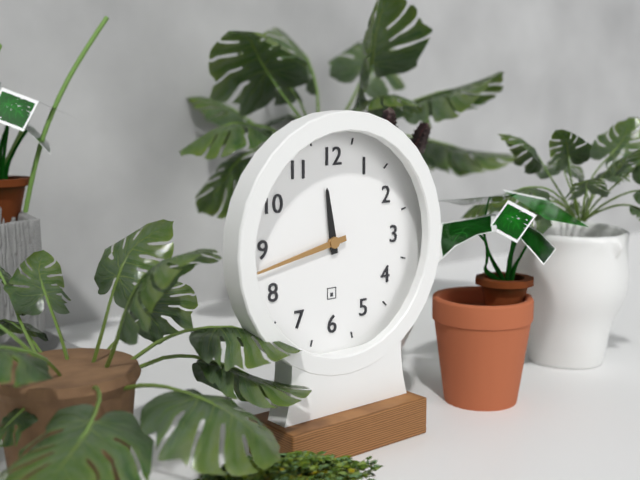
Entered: {"hour": 11, "minute": 43}
